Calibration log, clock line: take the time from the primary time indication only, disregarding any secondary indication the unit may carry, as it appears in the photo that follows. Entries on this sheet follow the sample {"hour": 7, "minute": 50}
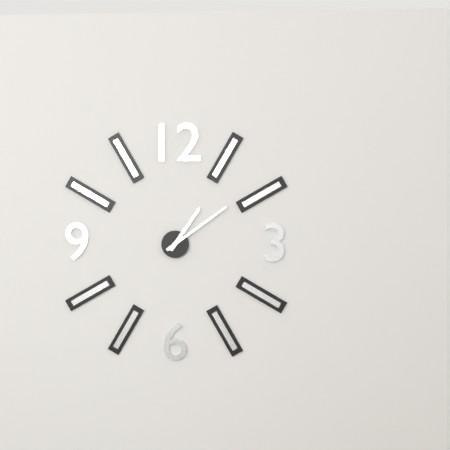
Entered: {"hour": 1, "minute": 9}
